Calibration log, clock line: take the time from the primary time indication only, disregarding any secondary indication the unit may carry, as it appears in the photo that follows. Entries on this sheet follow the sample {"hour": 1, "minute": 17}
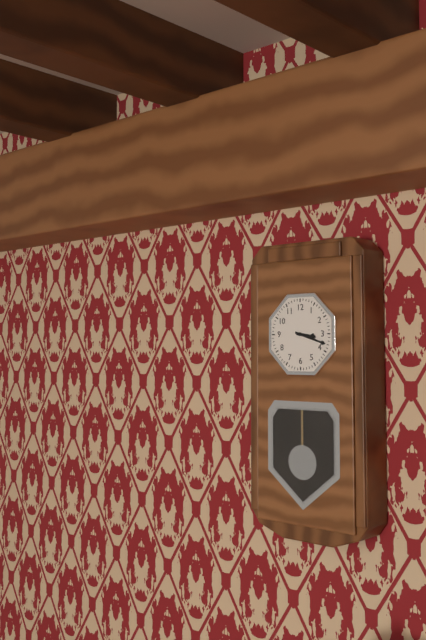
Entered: {"hour": 3, "minute": 18}
